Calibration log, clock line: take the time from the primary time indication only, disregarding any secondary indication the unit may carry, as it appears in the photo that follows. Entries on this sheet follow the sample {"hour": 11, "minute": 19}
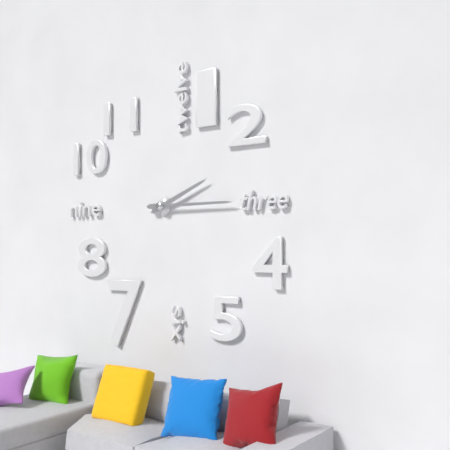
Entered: {"hour": 2, "minute": 15}
